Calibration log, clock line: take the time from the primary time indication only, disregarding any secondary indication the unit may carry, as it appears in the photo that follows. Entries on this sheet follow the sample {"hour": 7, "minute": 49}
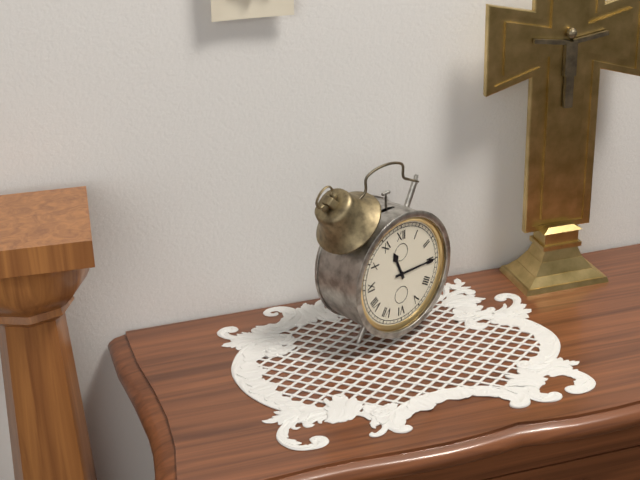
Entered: {"hour": 11, "minute": 15}
